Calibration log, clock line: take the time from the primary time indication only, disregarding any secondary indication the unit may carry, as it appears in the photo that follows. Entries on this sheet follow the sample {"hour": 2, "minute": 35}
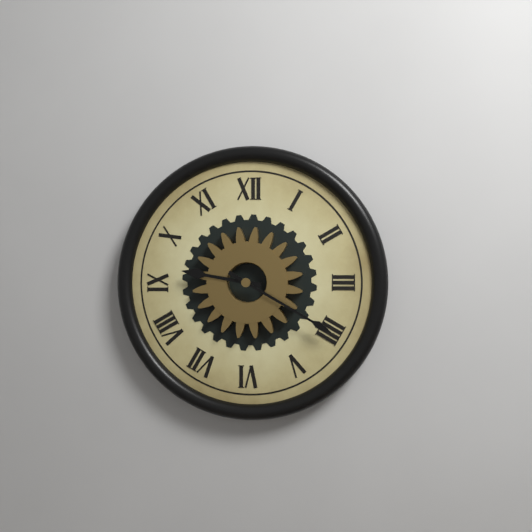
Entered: {"hour": 9, "minute": 20}
